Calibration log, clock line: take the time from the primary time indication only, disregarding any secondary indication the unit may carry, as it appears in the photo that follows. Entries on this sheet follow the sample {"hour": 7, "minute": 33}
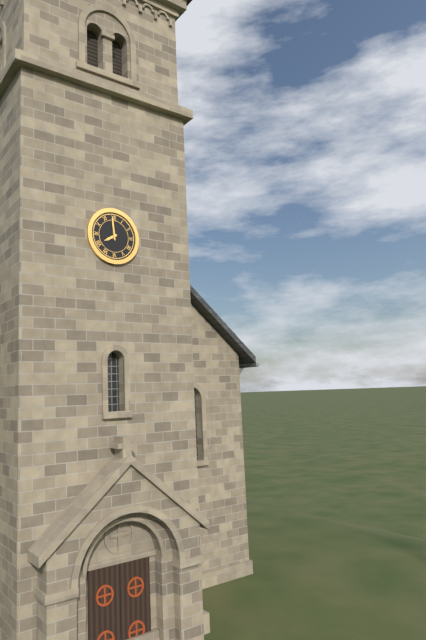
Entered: {"hour": 7, "minute": 59}
